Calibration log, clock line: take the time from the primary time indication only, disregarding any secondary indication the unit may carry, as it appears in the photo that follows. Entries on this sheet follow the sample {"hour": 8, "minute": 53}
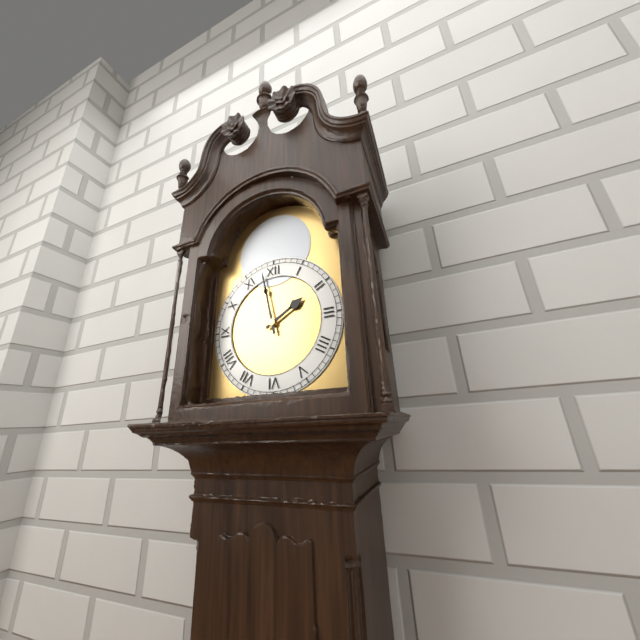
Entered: {"hour": 1, "minute": 58}
